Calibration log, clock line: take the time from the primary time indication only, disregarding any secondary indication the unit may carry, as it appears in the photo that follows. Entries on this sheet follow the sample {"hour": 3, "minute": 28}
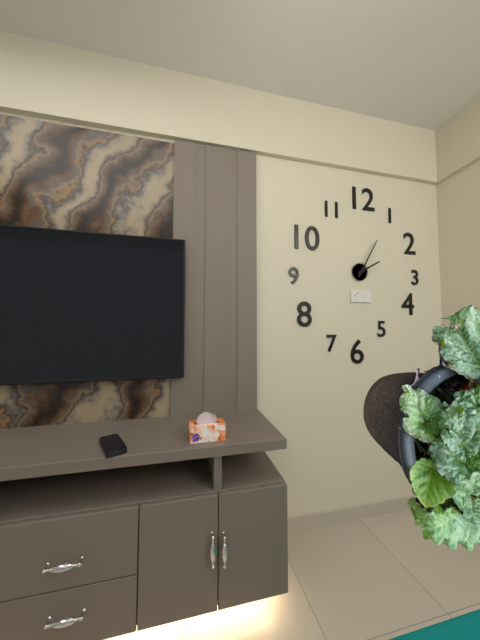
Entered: {"hour": 2, "minute": 5}
